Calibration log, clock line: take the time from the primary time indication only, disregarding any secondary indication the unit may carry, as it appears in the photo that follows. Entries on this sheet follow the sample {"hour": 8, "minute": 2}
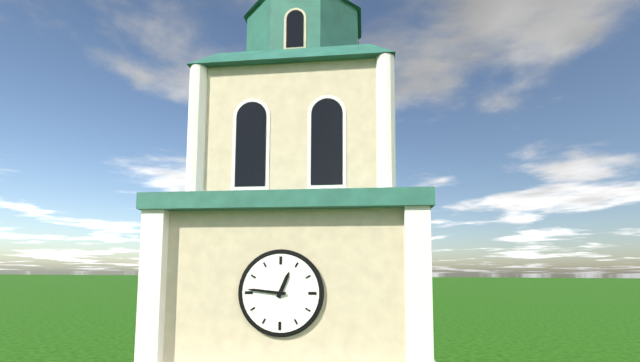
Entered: {"hour": 12, "minute": 46}
